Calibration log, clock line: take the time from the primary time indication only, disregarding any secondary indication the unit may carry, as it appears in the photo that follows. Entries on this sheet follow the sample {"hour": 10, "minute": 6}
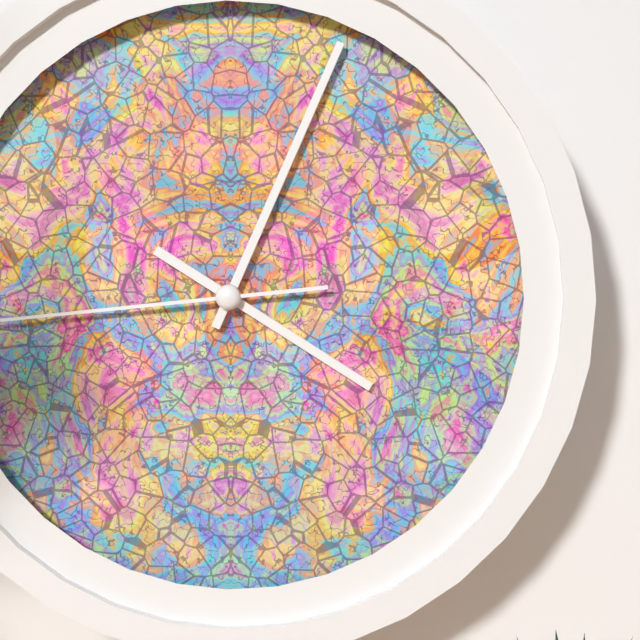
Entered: {"hour": 4, "minute": 4}
